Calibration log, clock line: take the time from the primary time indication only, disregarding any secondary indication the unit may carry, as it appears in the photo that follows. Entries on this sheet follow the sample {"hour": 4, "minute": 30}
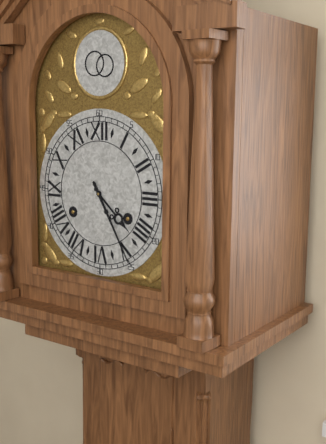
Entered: {"hour": 4, "minute": 25}
